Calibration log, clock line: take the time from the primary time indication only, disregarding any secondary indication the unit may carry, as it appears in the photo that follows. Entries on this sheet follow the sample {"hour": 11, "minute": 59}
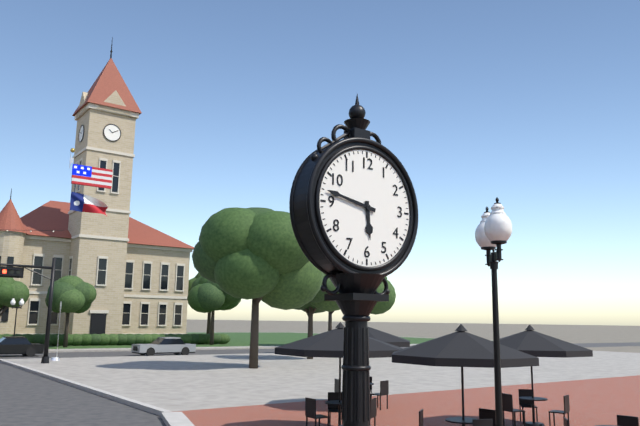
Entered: {"hour": 5, "minute": 47}
